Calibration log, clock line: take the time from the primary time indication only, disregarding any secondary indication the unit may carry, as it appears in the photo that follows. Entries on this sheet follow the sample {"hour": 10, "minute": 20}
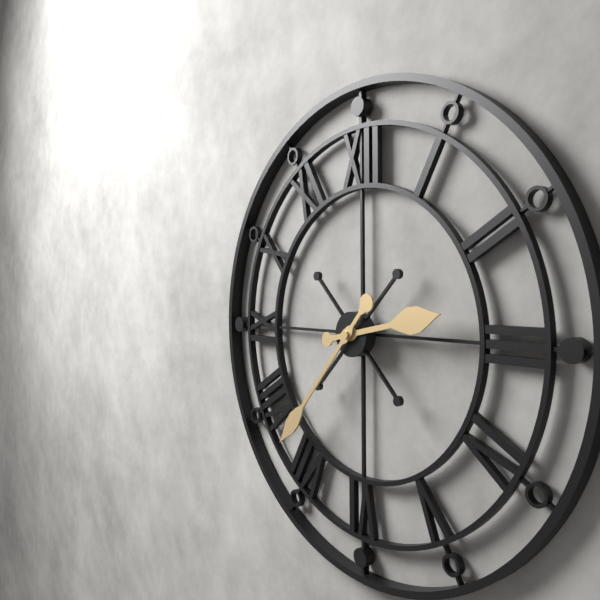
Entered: {"hour": 2, "minute": 37}
